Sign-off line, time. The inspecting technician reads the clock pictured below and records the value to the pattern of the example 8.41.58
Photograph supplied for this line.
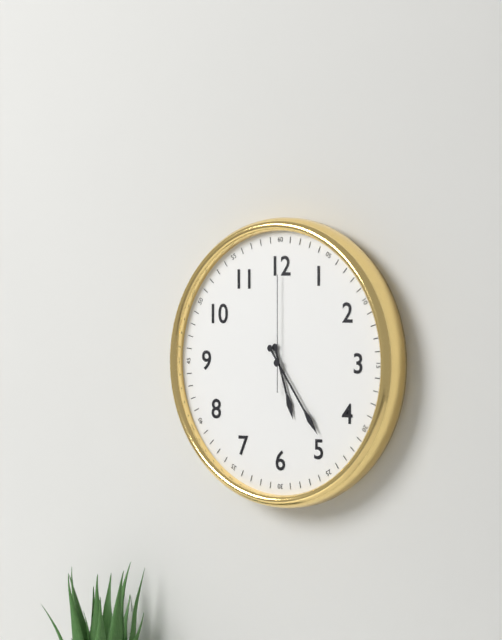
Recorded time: 5.24.00
